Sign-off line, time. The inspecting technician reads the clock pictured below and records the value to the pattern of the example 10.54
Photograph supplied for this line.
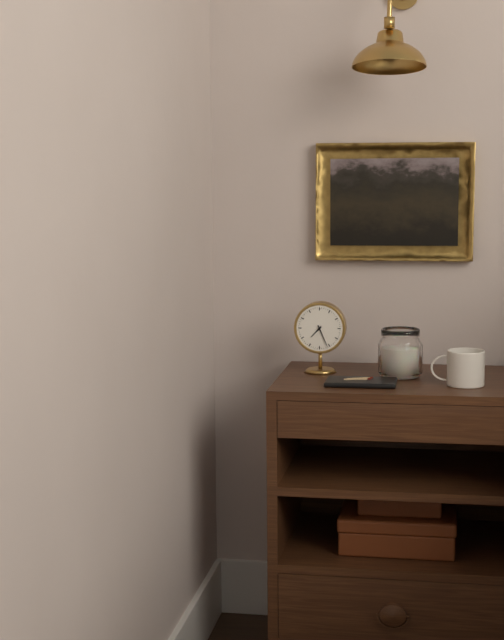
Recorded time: 7.26
